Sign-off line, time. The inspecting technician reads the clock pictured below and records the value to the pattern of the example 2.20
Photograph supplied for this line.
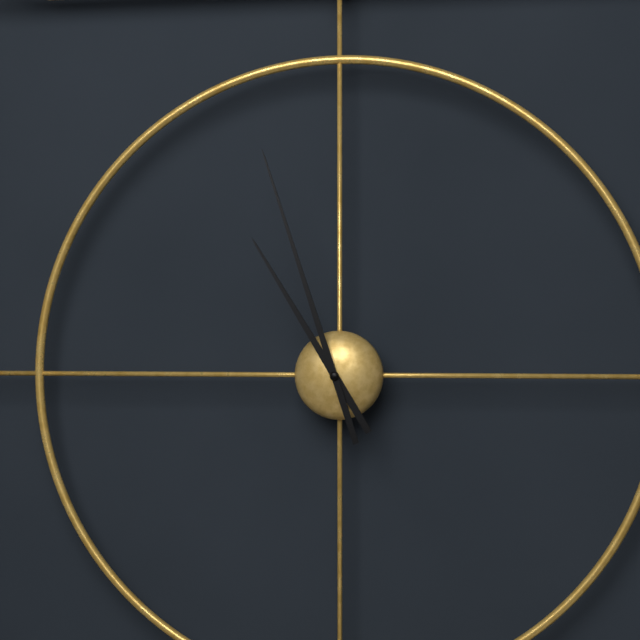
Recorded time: 10.57
